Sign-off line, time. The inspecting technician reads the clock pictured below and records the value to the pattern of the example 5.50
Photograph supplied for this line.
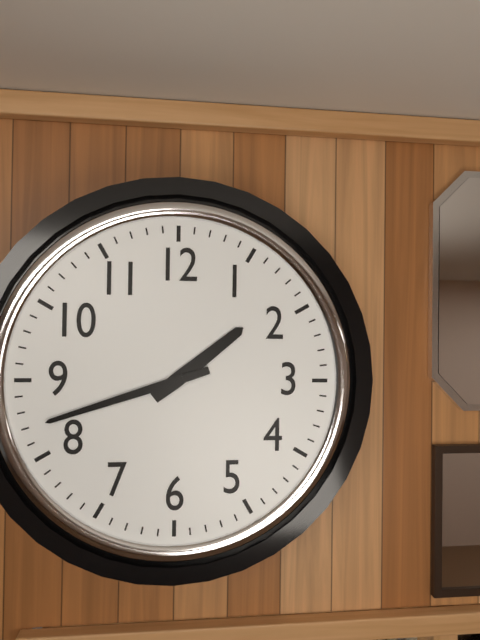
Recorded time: 1.42
